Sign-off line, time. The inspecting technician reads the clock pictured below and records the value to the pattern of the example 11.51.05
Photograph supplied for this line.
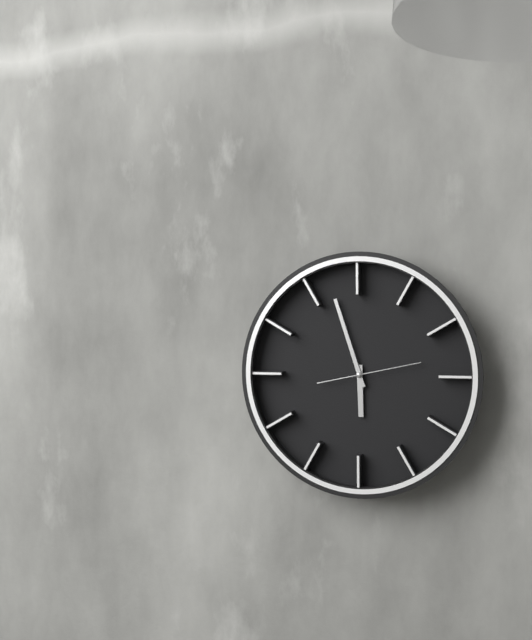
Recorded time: 5.57.13
